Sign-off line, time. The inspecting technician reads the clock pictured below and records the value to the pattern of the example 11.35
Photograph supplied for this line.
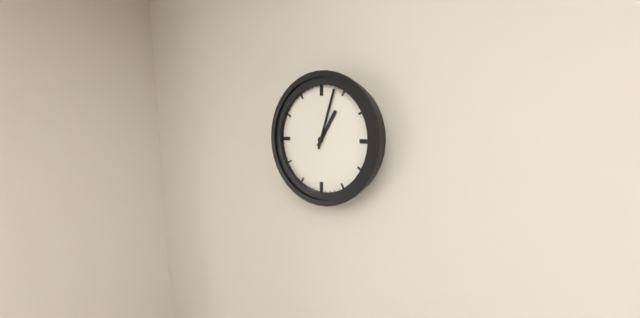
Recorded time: 1.03
